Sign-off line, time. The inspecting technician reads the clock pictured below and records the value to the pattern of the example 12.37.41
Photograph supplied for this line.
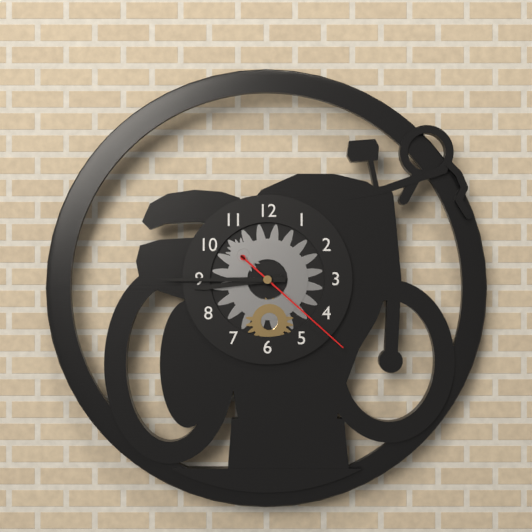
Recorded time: 8.45.22
